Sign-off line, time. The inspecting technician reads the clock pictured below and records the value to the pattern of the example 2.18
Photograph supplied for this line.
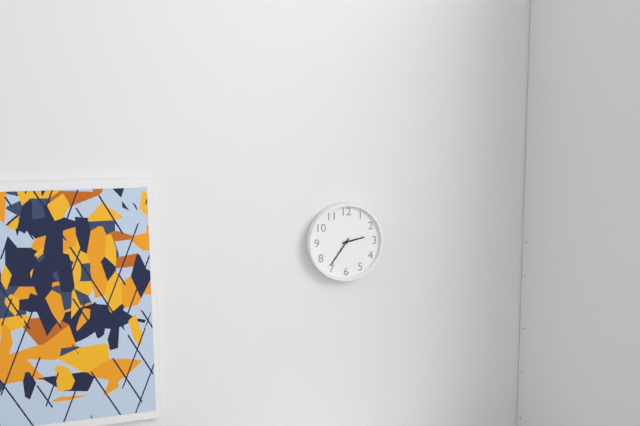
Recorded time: 2.36
